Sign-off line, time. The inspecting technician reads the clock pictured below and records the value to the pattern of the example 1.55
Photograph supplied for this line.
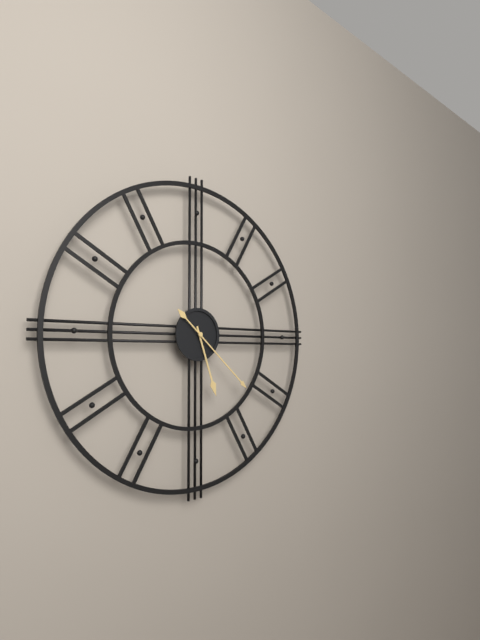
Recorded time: 5.22
